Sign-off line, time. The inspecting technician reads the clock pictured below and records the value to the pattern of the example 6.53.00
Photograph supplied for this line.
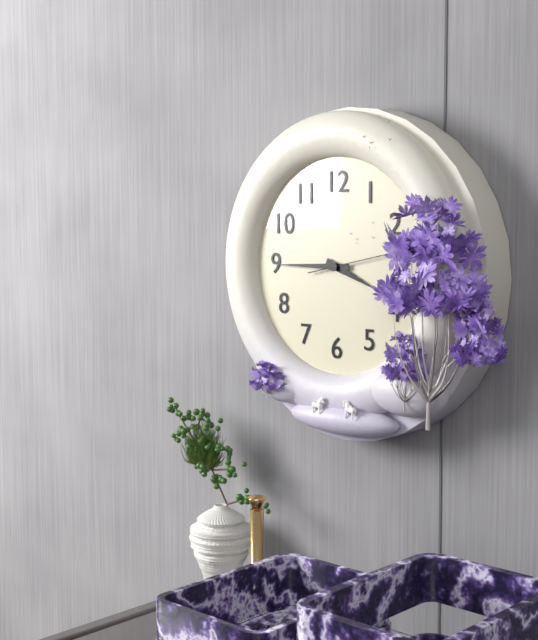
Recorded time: 3.45.13
